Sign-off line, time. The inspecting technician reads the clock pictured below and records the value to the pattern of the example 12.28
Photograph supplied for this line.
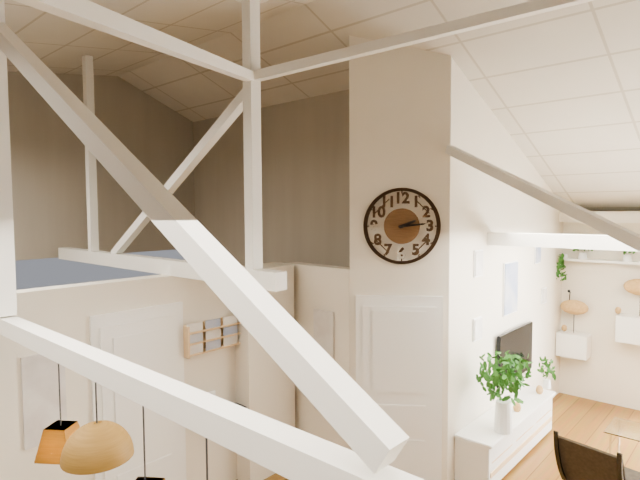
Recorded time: 2.14
